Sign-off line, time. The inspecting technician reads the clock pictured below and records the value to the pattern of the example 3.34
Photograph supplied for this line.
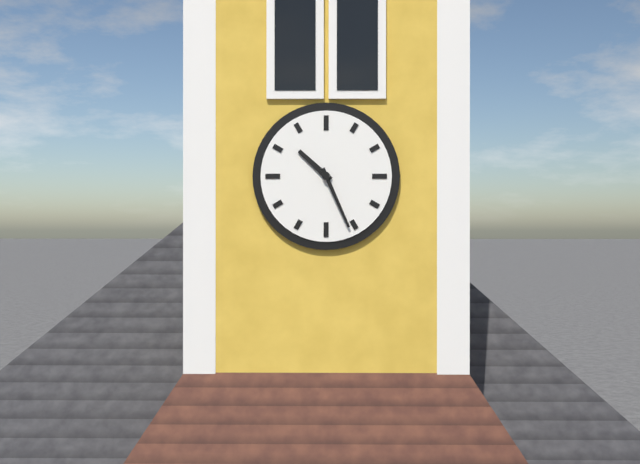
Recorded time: 10.26
